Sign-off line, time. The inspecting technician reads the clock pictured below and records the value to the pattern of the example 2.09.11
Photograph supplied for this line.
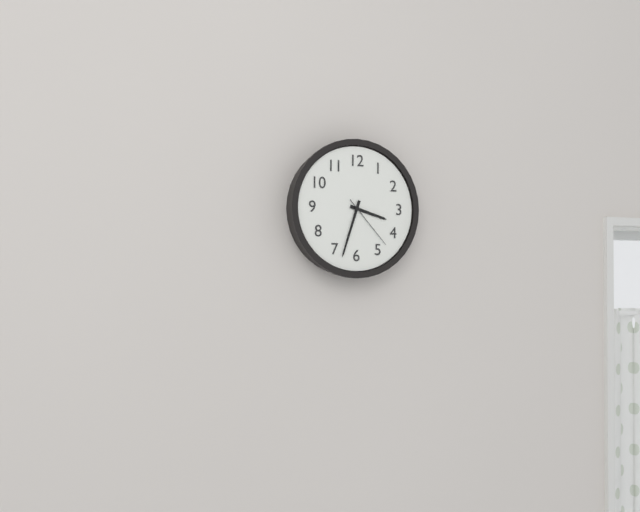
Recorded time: 3.33.23
